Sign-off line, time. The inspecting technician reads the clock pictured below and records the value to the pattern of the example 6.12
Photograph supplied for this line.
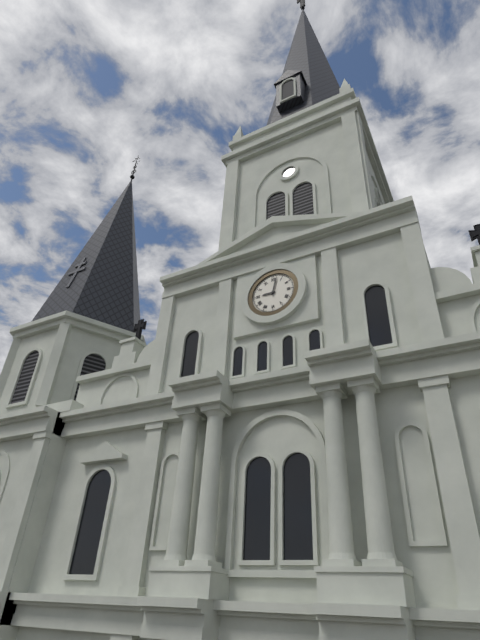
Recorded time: 9.02
